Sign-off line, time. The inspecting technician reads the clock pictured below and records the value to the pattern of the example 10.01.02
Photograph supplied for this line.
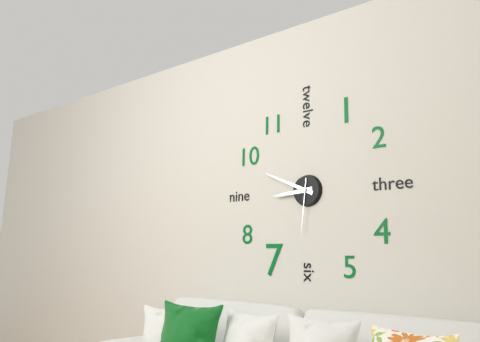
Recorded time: 8.49.31
